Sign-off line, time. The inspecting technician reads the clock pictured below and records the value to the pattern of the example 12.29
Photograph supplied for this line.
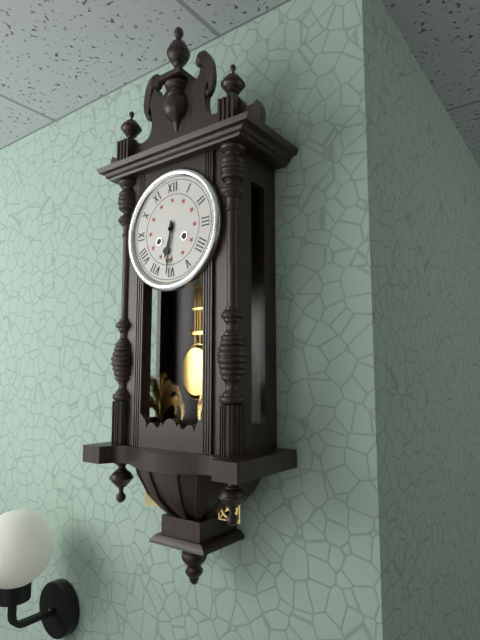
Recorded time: 6.31
